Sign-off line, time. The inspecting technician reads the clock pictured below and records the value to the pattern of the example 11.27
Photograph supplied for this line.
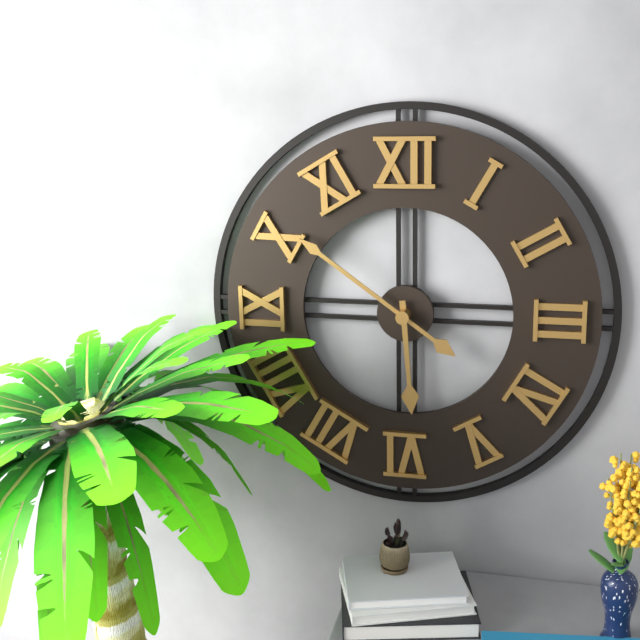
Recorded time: 5.51
